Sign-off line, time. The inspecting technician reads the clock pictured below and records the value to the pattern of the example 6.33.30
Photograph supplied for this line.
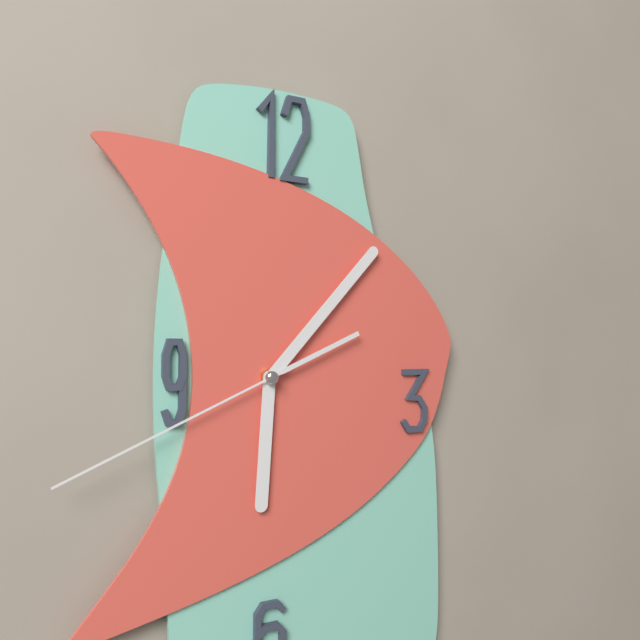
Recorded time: 6.07.41
